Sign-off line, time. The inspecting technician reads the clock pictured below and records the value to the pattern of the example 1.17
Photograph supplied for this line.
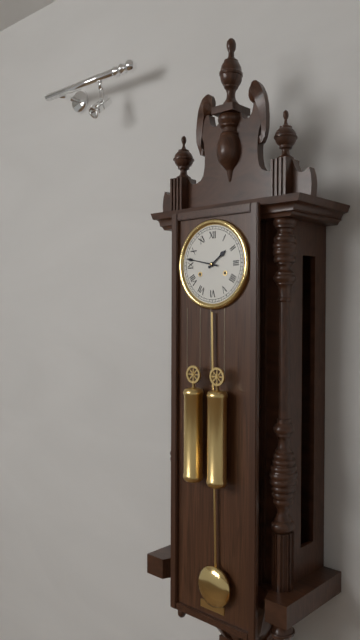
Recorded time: 1.47
